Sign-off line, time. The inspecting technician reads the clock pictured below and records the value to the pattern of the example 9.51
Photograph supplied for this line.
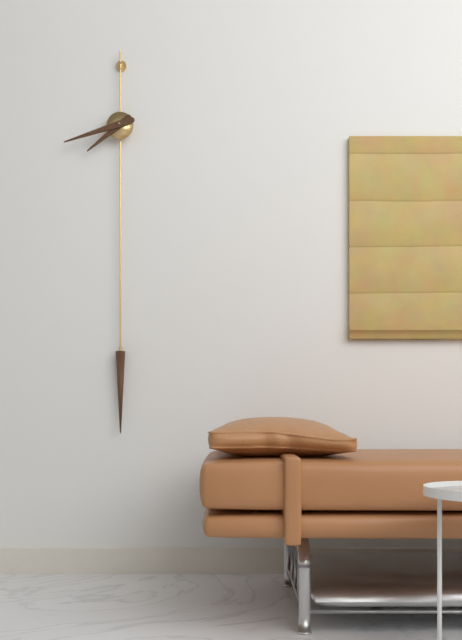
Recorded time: 7.42
